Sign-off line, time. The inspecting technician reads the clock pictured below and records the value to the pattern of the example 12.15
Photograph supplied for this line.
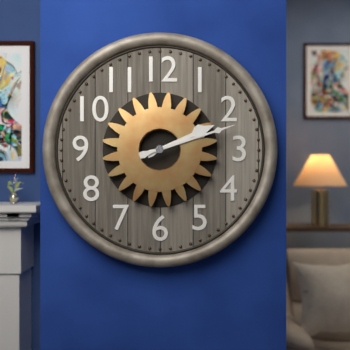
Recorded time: 2.12
